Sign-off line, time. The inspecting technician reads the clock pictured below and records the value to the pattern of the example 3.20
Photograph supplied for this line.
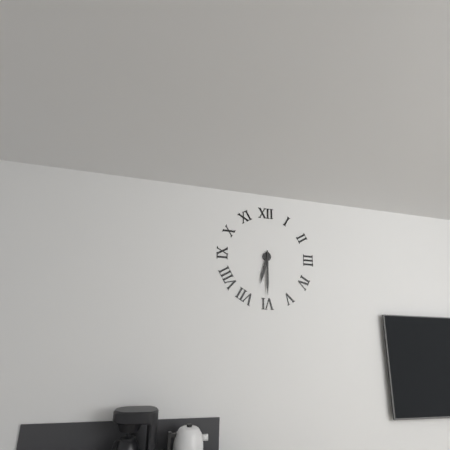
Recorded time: 6.30
